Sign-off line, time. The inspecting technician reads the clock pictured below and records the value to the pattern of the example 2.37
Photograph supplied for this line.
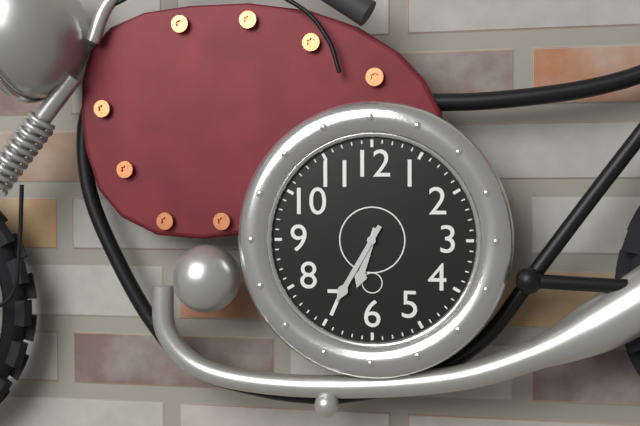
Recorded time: 6.35
